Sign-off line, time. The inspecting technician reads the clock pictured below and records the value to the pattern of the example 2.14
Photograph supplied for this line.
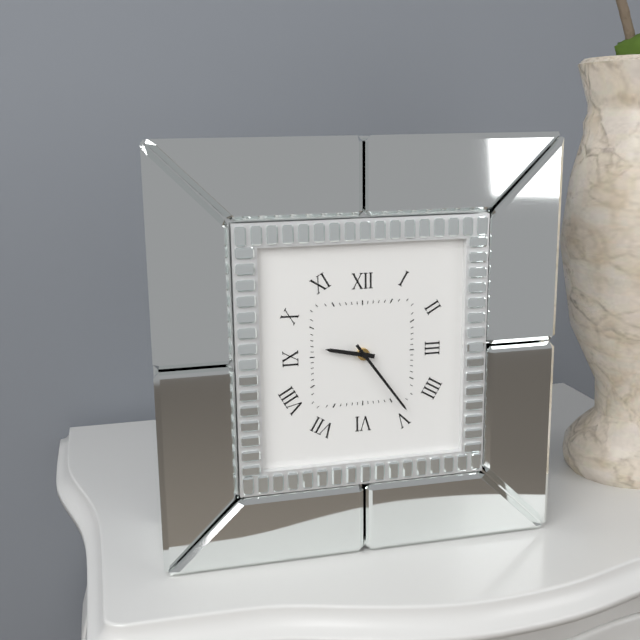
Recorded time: 9.24
